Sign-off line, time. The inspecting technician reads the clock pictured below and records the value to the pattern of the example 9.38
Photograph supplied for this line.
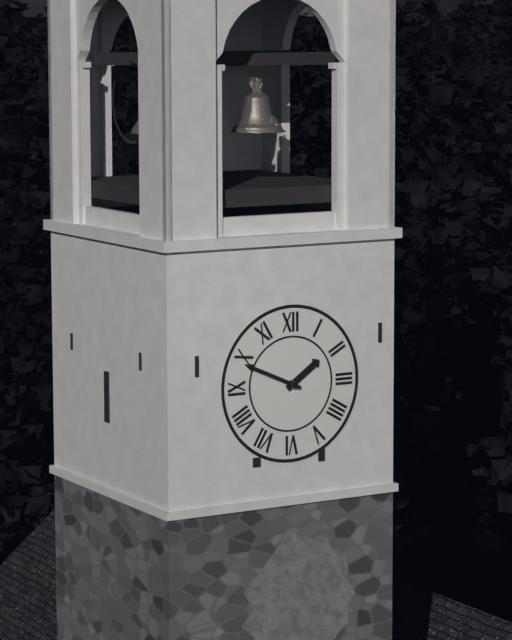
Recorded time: 1.49
